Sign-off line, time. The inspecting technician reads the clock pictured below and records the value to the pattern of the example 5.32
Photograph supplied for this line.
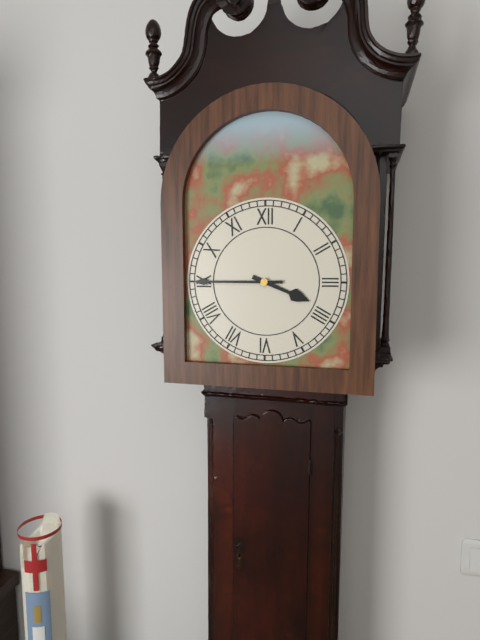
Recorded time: 3.45
